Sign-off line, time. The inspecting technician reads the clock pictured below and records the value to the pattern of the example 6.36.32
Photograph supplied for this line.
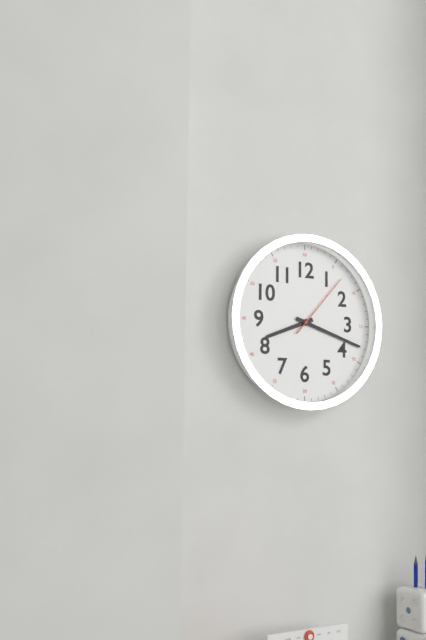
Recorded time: 8.18.07
